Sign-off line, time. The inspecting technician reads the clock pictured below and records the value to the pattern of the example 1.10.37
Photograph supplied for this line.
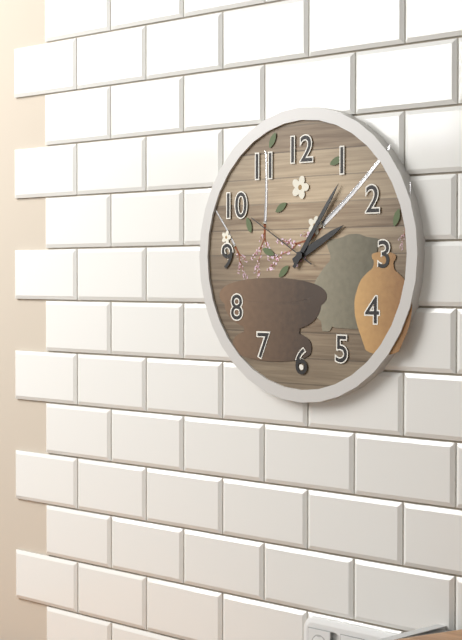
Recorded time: 2.06.50
